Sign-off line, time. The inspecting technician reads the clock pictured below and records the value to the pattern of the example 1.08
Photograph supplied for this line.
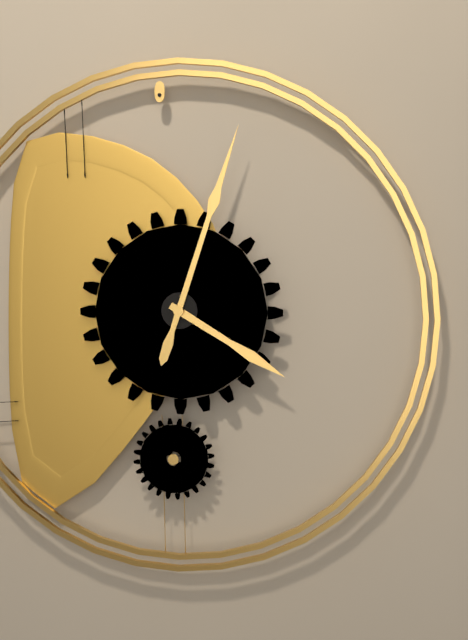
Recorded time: 4.03
